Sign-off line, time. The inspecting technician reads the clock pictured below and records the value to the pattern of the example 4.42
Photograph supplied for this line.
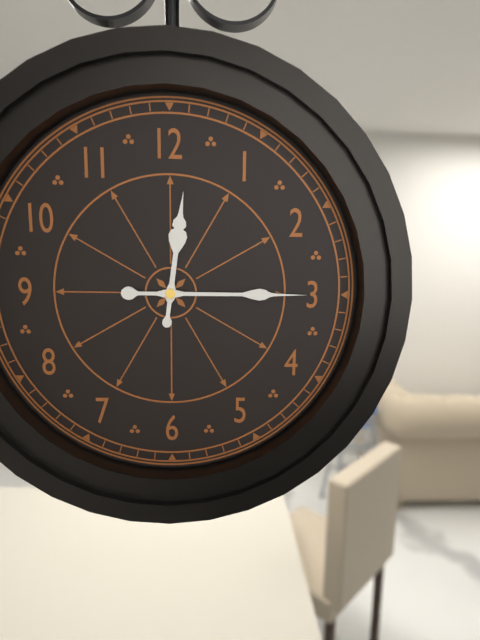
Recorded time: 12.15
